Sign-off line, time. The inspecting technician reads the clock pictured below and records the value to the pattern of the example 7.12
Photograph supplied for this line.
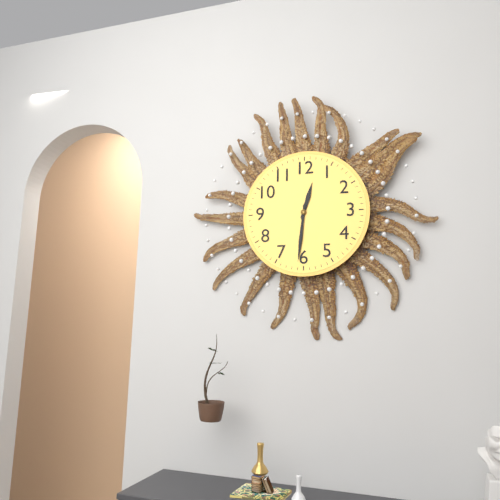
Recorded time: 12.31
